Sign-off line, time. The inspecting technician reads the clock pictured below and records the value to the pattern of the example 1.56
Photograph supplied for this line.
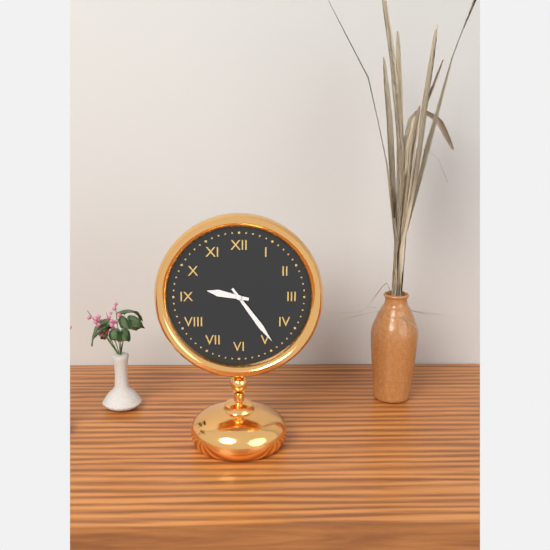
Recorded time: 9.24
